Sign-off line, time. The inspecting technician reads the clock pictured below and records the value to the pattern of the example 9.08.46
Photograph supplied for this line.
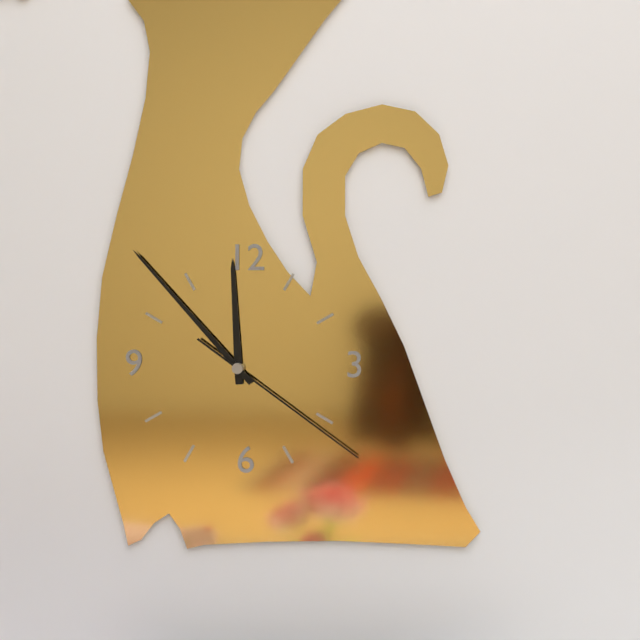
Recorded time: 11.53.21
